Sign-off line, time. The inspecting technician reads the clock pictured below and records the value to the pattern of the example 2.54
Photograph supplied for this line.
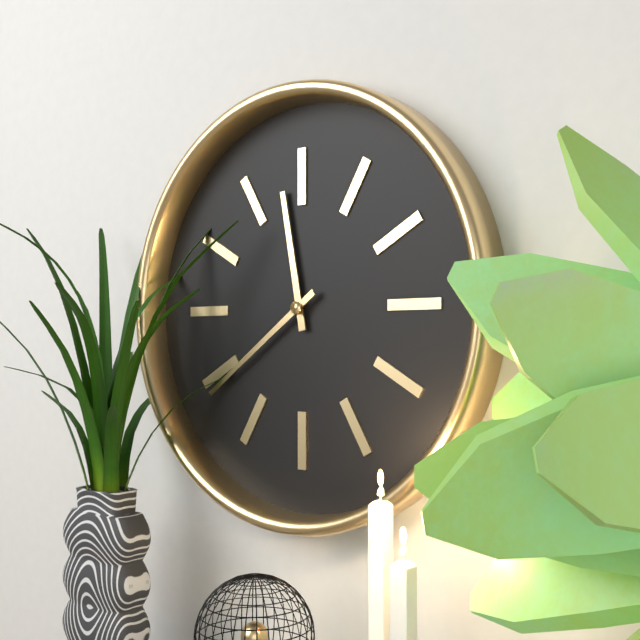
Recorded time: 11.39
